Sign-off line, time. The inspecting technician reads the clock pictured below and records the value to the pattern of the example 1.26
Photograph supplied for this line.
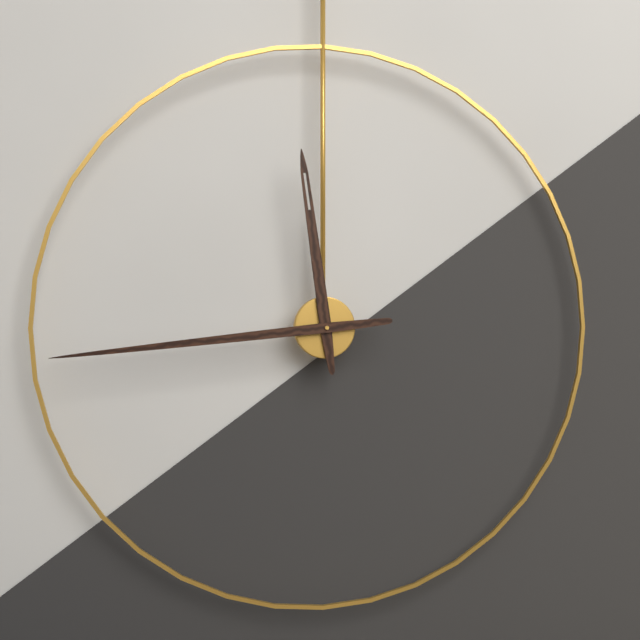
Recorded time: 11.44
